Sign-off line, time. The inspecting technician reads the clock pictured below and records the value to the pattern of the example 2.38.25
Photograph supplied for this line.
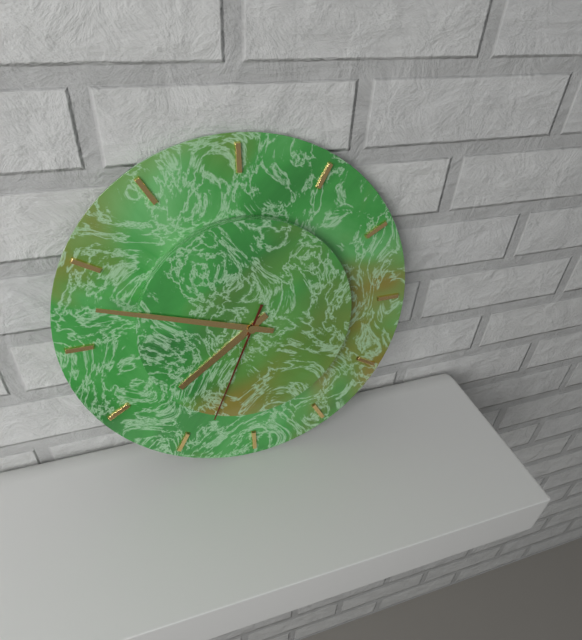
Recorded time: 7.48.34
